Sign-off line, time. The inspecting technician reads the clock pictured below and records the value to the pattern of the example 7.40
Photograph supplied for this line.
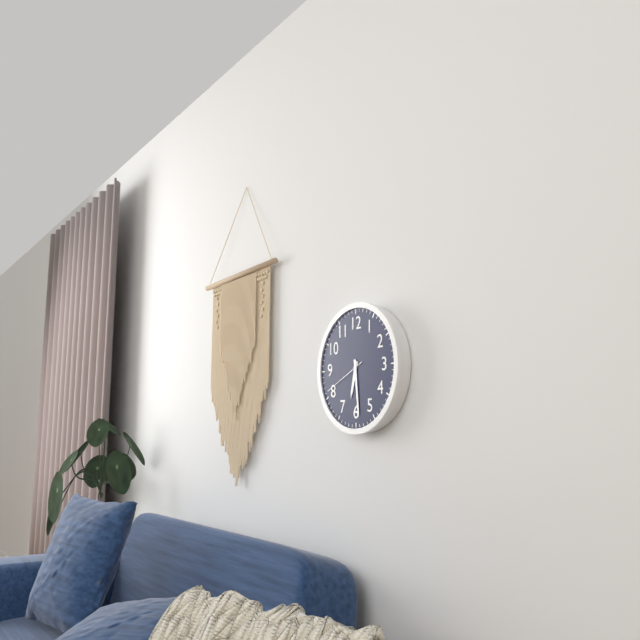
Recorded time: 6.29
